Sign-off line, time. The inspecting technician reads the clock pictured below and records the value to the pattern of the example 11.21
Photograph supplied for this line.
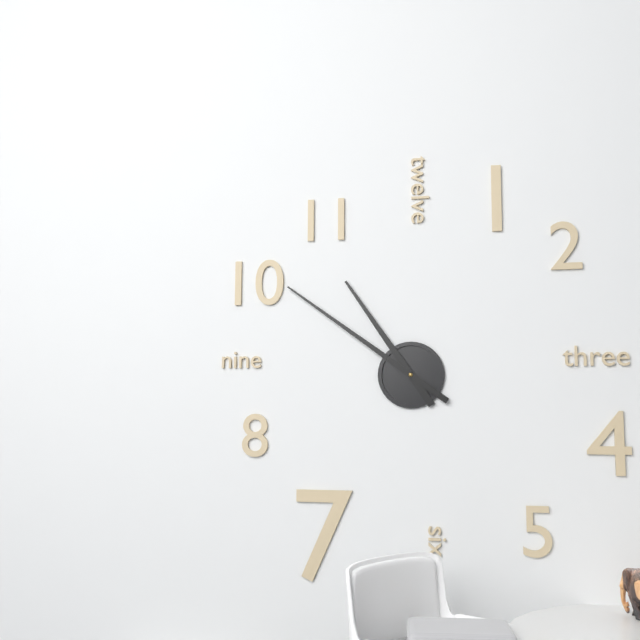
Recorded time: 10.51
